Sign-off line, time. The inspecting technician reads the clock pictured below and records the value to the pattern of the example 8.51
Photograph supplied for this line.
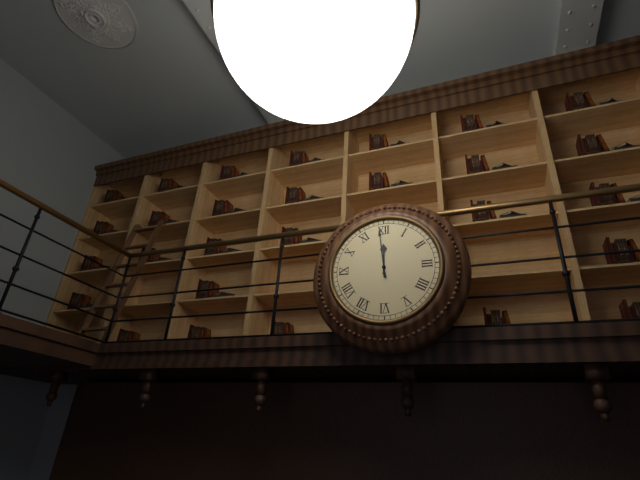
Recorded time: 11.59
